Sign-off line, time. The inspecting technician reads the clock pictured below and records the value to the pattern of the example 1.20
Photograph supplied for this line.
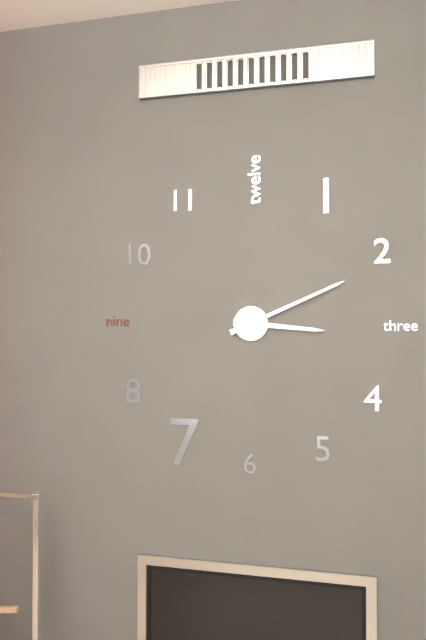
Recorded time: 3.11
